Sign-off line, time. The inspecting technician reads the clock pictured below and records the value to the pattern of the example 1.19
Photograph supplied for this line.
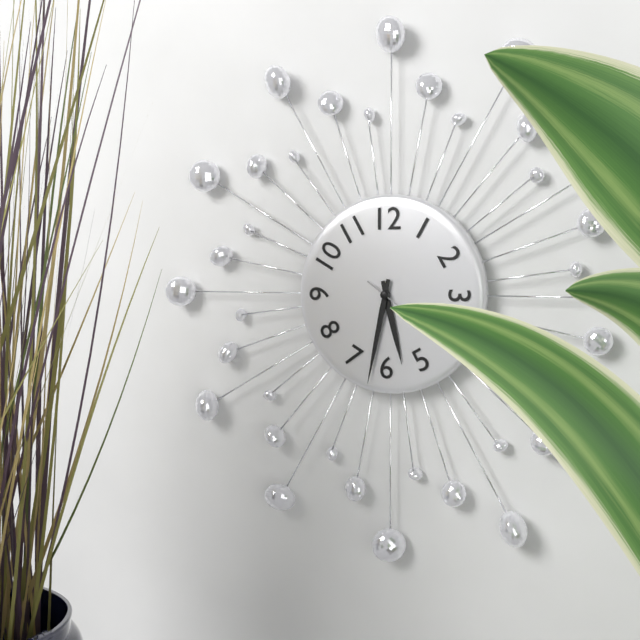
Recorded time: 5.32
